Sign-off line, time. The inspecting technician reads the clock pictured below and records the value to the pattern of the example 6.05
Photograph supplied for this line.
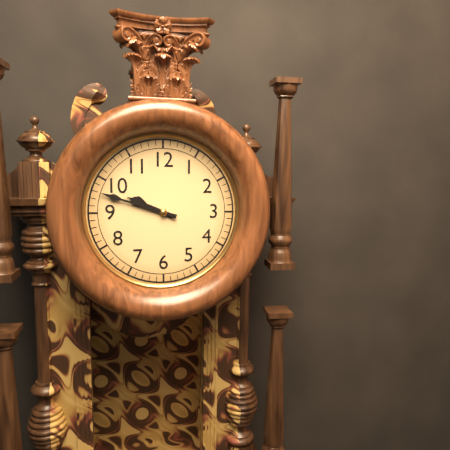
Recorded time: 9.48
